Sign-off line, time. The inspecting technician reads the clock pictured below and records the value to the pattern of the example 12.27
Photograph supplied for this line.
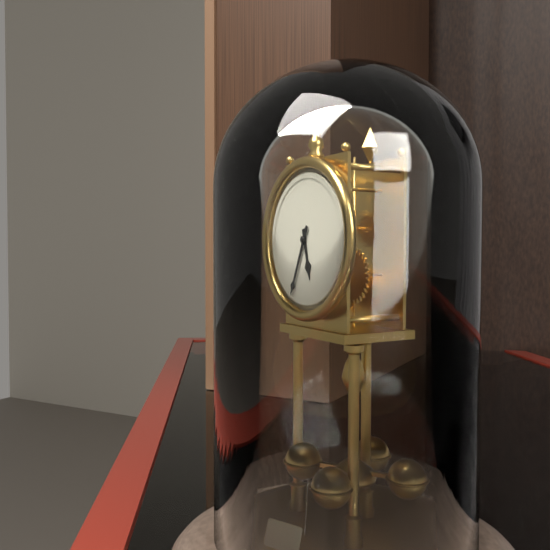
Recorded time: 5.34
